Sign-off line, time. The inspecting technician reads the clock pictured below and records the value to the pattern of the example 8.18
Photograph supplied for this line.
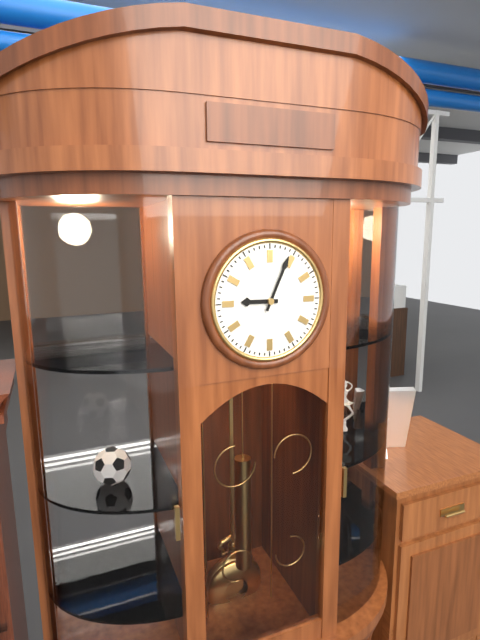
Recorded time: 9.04
